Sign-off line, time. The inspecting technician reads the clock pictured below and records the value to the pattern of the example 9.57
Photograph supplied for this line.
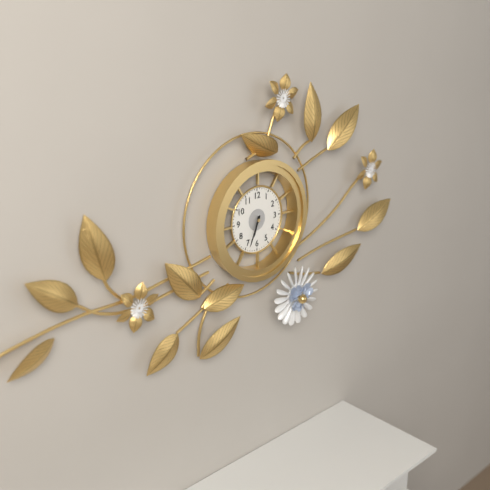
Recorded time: 6.34
